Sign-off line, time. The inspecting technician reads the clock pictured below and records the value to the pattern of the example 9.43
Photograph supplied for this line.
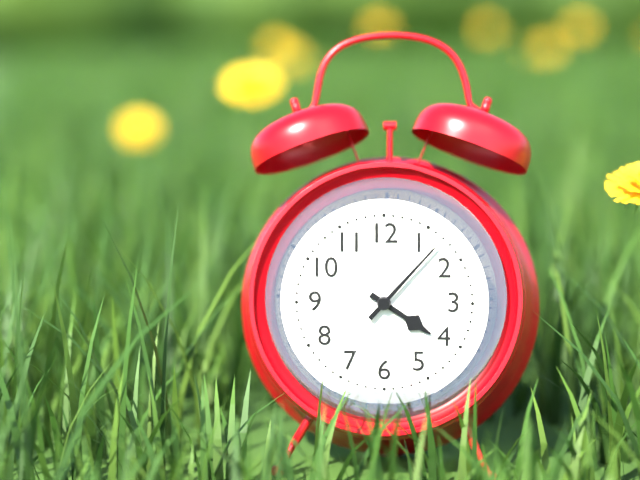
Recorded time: 4.07
